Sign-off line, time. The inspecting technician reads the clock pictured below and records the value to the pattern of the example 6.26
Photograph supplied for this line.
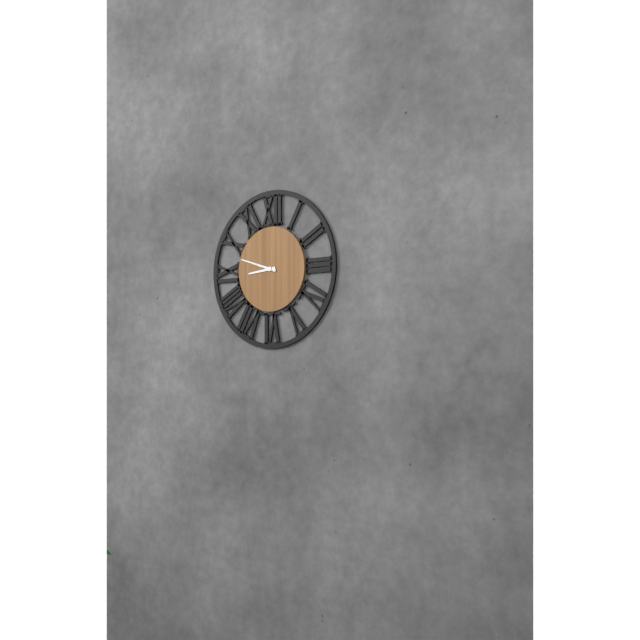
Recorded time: 8.48
